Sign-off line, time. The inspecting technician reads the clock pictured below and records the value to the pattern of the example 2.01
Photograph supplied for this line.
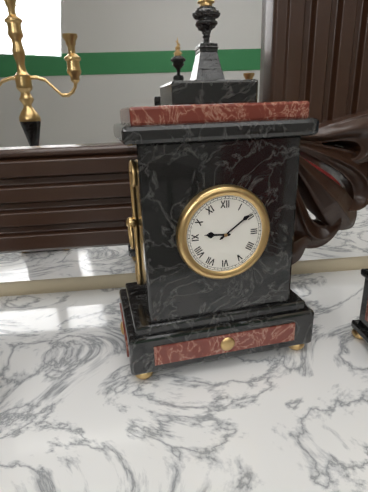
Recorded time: 9.09
